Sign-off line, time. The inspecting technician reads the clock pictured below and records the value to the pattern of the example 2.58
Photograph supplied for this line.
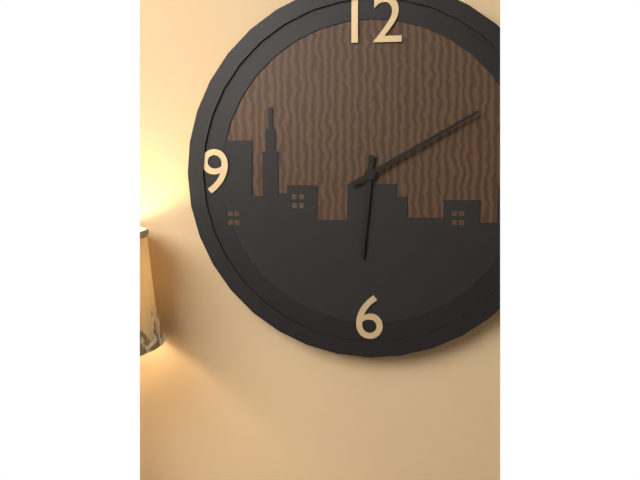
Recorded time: 6.10
